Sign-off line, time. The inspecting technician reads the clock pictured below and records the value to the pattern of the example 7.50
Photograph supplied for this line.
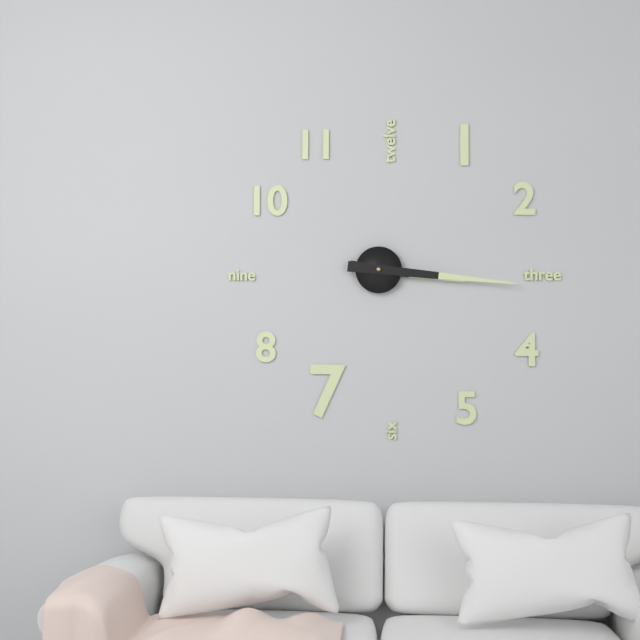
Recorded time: 3.16
